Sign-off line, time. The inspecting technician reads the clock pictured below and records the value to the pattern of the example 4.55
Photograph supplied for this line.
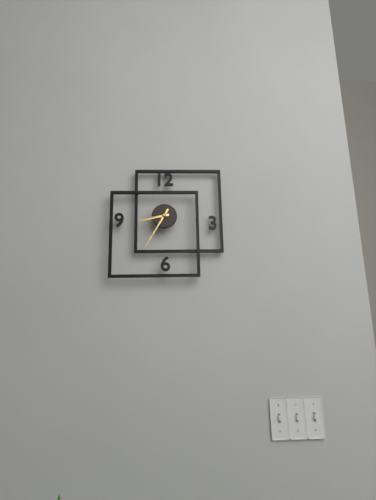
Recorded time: 8.35
